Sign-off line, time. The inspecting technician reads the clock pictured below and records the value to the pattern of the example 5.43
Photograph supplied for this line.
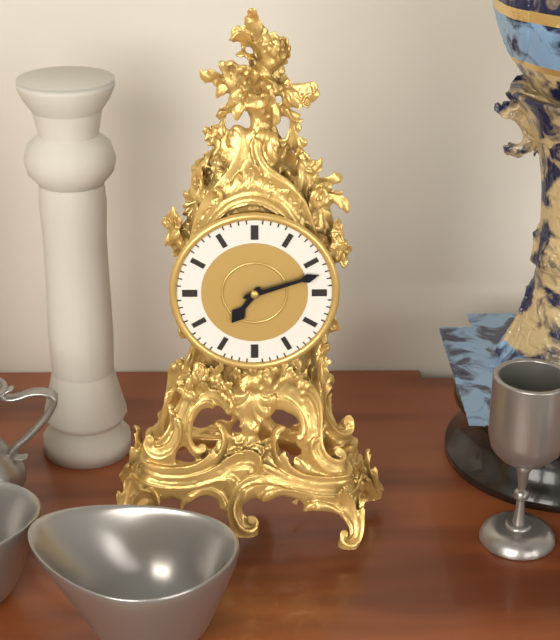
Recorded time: 7.12
